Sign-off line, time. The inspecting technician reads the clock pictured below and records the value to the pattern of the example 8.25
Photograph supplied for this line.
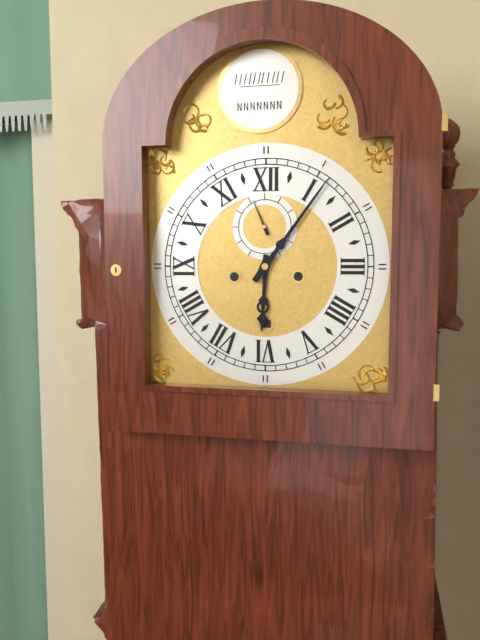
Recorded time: 6.06
